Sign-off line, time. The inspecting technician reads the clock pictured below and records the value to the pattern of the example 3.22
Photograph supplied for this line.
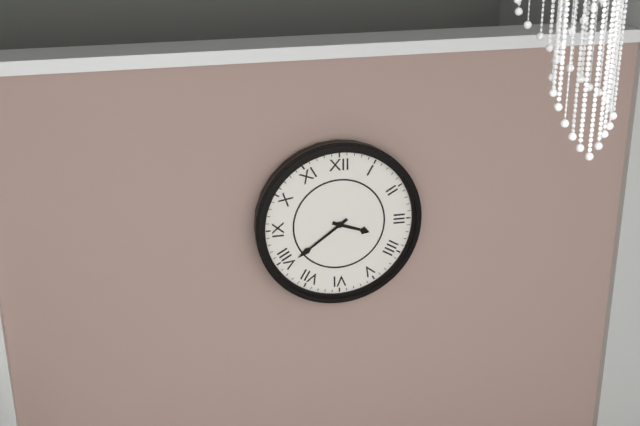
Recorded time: 3.39
